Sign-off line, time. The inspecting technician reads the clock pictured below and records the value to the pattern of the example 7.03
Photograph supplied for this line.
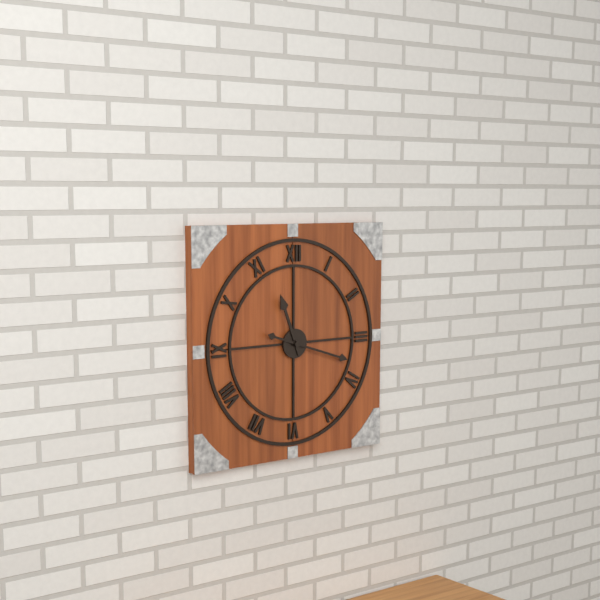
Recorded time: 11.18
